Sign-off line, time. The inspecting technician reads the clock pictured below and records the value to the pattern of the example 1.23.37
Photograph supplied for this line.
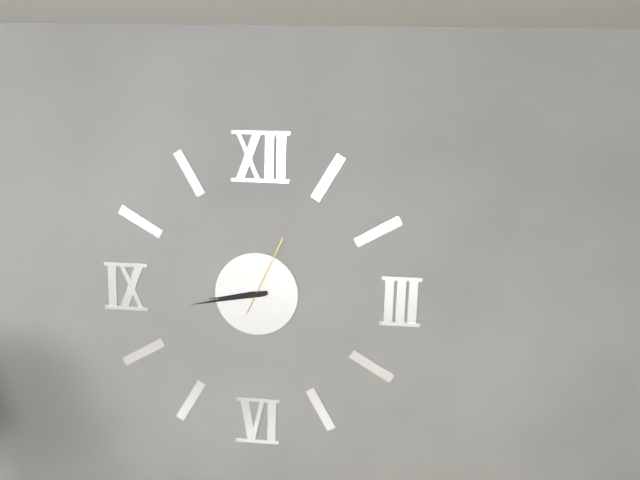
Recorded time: 8.43.04
